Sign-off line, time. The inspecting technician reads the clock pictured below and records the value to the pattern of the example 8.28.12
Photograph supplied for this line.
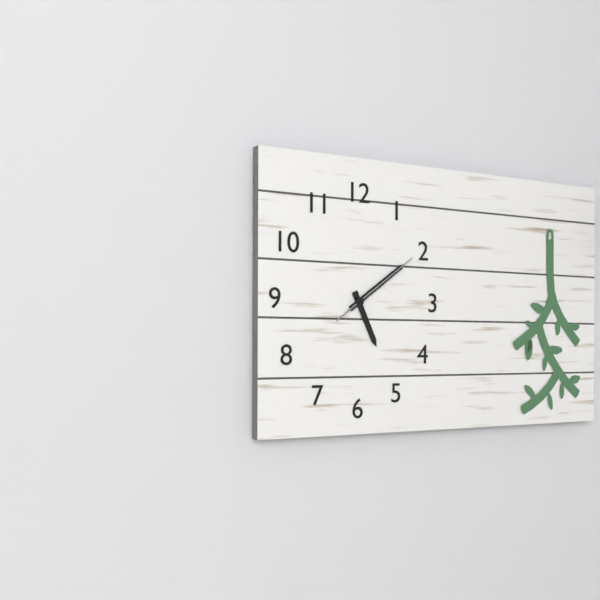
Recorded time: 5.09.09
